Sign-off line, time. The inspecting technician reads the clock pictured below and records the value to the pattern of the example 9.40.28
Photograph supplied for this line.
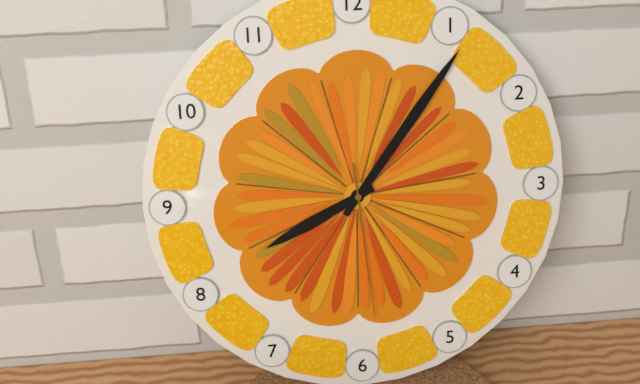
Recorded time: 8.06.29
